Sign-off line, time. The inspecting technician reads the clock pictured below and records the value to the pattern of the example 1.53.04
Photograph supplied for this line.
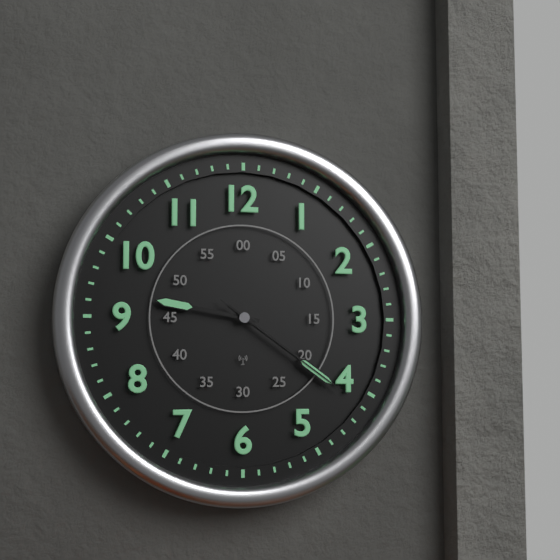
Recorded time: 9.21.21
